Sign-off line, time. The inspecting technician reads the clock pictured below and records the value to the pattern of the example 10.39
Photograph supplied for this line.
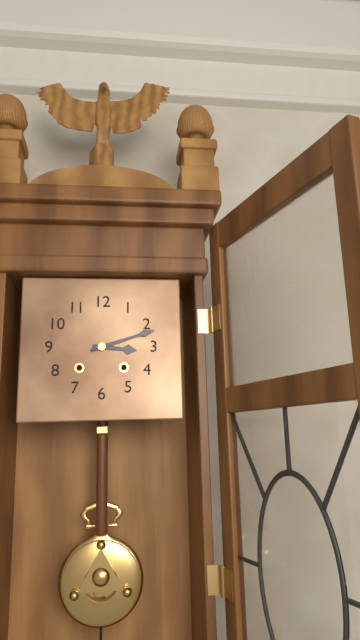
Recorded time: 3.12
